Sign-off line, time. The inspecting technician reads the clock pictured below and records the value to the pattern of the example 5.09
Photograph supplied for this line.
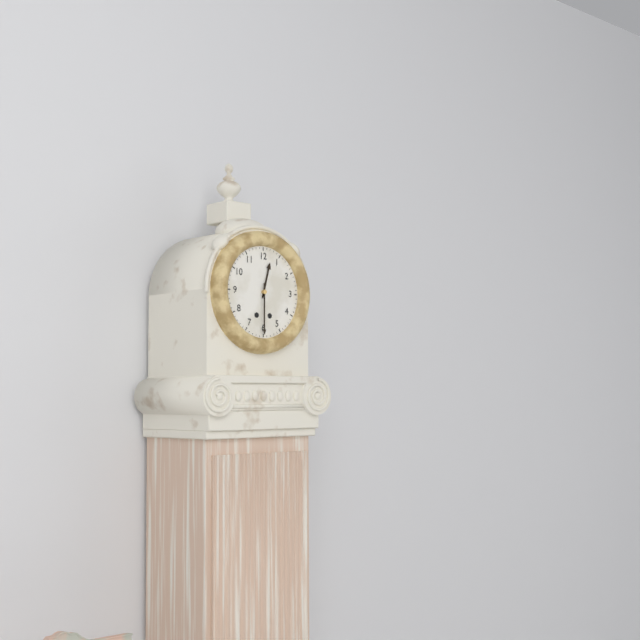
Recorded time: 12.30
